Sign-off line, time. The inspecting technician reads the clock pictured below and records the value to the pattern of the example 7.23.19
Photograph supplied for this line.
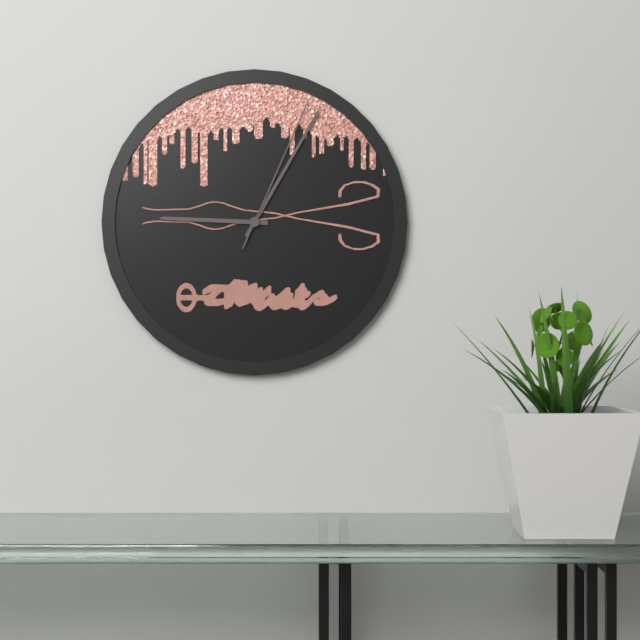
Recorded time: 9.05.04
